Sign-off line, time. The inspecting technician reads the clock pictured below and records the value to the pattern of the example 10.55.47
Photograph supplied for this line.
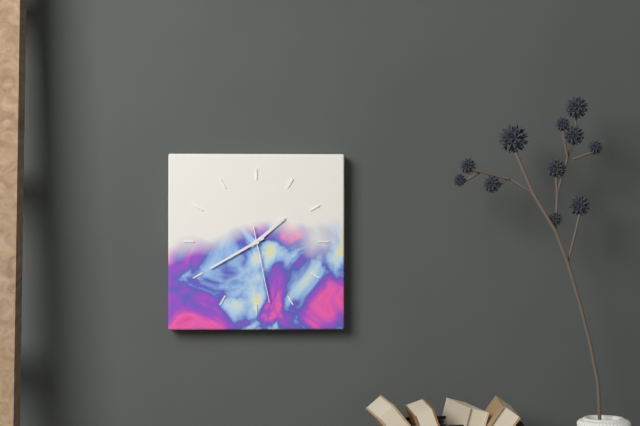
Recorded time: 1.40.28
